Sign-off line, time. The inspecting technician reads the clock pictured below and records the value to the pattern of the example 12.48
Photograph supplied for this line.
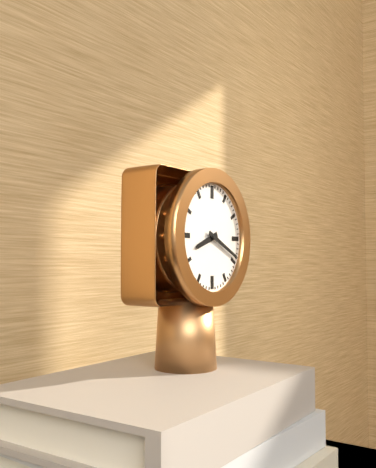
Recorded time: 8.19
